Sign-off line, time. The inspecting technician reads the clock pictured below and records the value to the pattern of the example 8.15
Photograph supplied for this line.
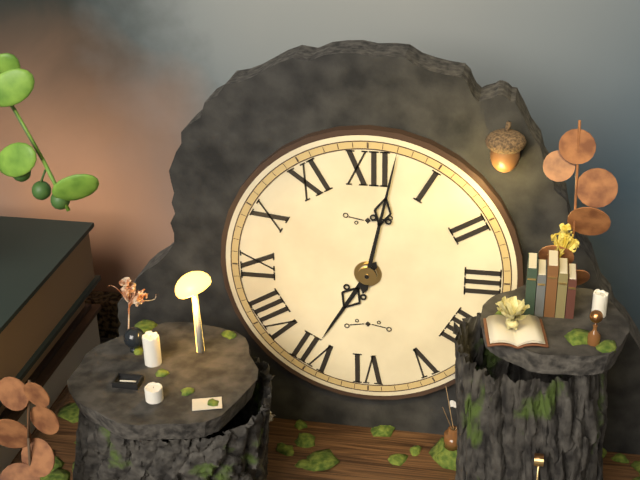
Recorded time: 7.02
